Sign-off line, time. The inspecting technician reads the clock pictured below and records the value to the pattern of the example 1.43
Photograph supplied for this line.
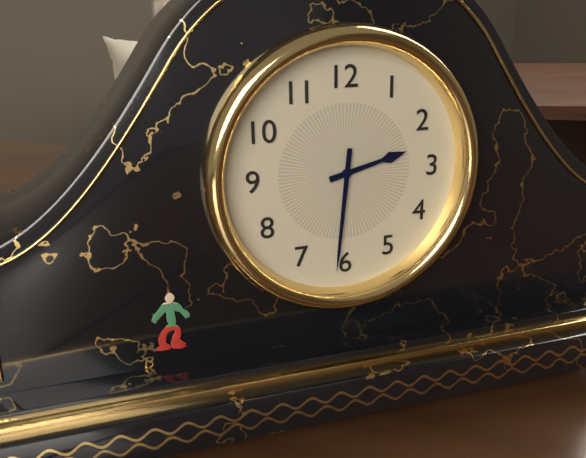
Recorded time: 2.31
